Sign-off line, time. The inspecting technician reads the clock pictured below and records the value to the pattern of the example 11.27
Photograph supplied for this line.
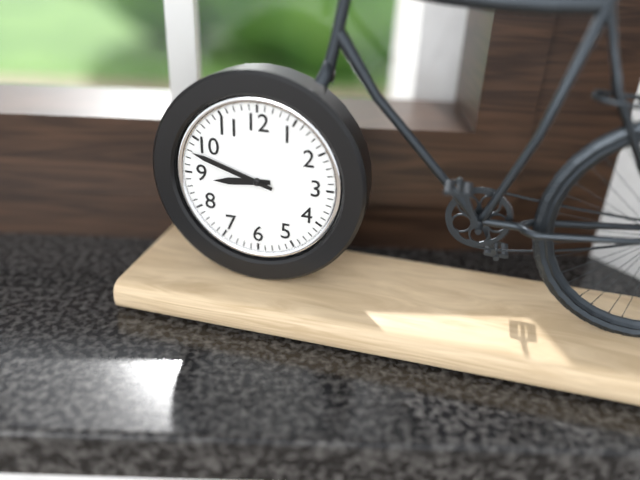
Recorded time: 8.48
